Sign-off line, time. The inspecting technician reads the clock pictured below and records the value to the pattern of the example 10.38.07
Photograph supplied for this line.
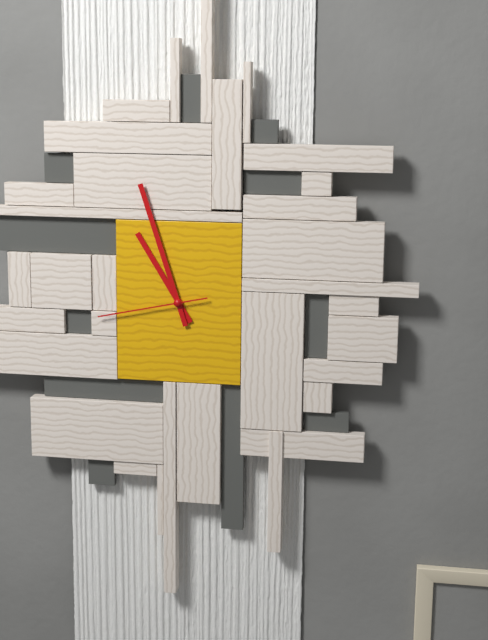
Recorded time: 10.57.43
